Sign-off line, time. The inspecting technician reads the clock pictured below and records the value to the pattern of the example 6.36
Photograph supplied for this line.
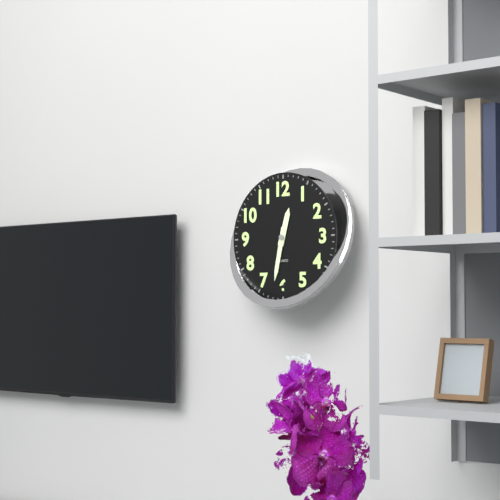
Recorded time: 12.32
